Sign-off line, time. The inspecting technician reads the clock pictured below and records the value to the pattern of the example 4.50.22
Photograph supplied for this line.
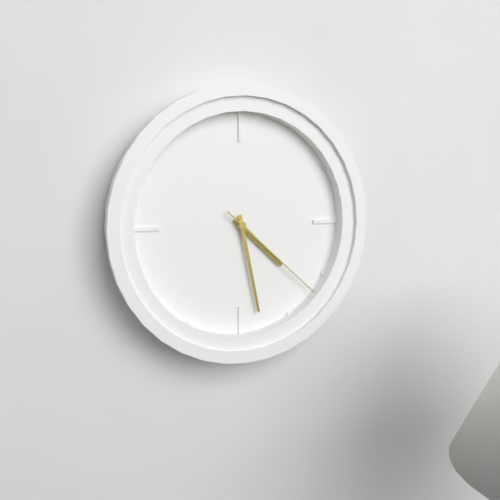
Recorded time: 4.28.22
